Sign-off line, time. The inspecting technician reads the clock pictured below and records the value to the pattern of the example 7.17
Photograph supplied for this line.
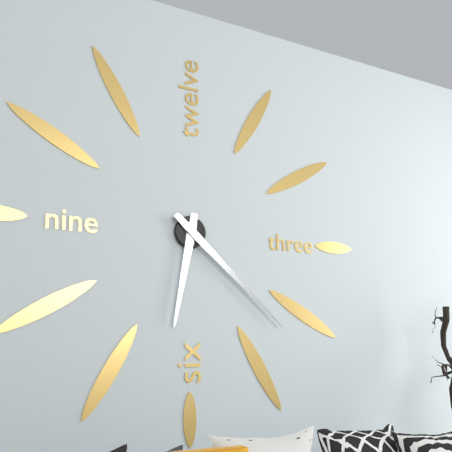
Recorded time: 6.22
